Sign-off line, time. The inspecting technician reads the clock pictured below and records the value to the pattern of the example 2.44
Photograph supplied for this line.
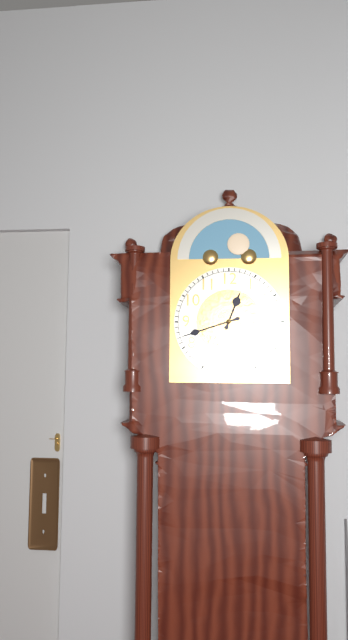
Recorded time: 12.42
